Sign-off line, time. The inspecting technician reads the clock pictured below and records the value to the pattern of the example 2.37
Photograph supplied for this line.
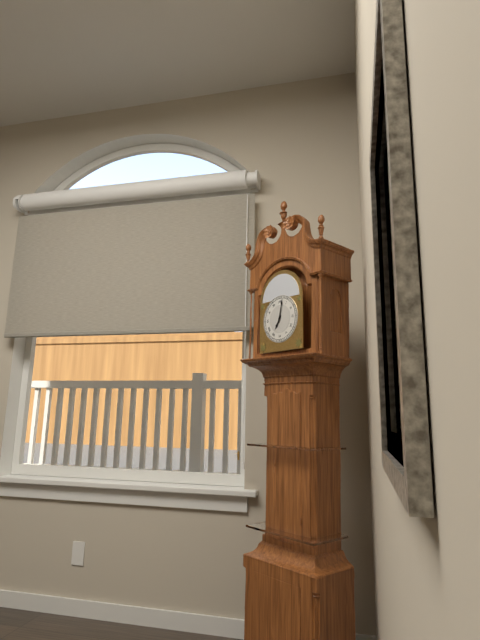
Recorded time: 7.02
